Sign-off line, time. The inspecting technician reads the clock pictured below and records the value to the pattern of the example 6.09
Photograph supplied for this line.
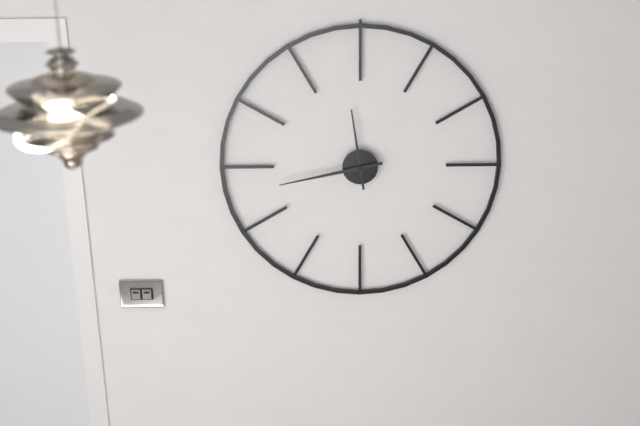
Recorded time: 11.43
